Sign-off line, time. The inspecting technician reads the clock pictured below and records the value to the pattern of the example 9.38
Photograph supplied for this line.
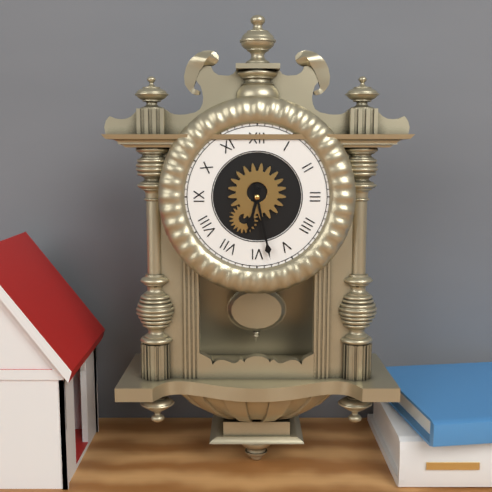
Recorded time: 6.28
